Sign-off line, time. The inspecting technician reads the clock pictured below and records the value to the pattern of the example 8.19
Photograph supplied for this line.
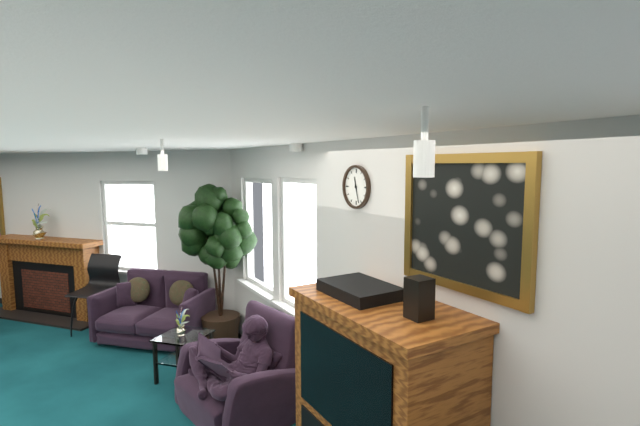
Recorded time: 11.27
